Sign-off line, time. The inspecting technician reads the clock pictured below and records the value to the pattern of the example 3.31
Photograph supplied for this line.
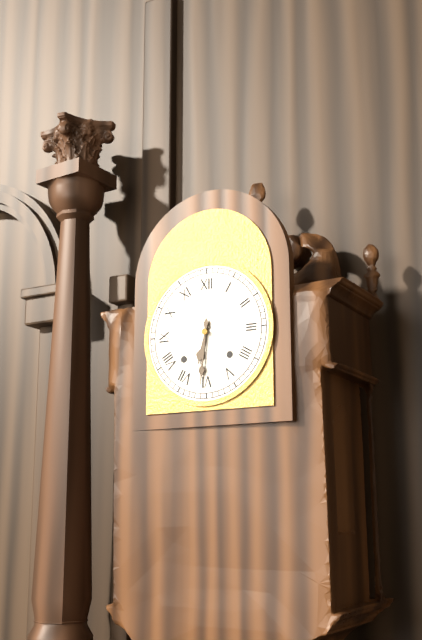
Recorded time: 6.31
